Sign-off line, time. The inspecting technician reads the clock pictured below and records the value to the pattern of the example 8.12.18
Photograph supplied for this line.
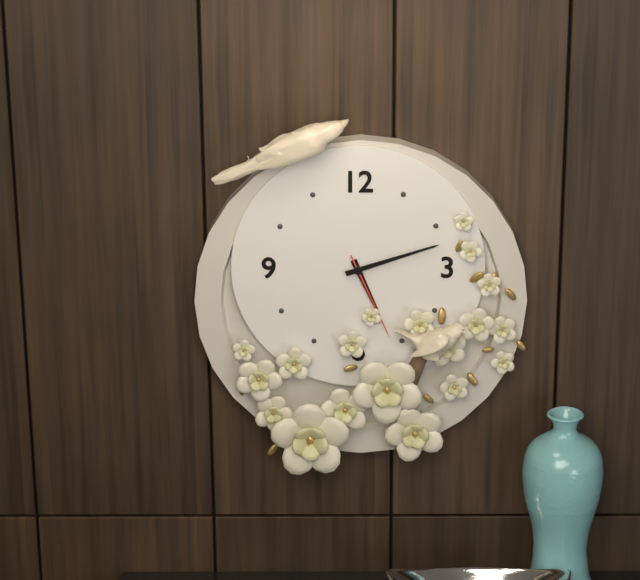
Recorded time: 5.12.26
